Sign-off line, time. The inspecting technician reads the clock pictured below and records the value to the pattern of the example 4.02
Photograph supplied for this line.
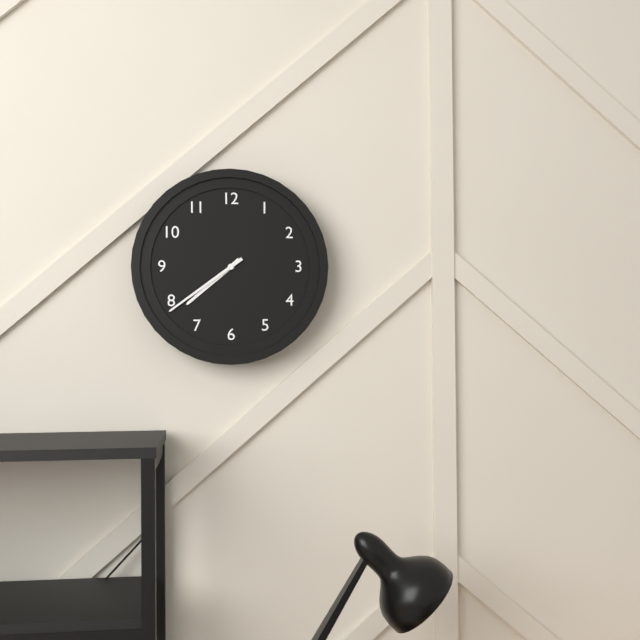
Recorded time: 7.39
